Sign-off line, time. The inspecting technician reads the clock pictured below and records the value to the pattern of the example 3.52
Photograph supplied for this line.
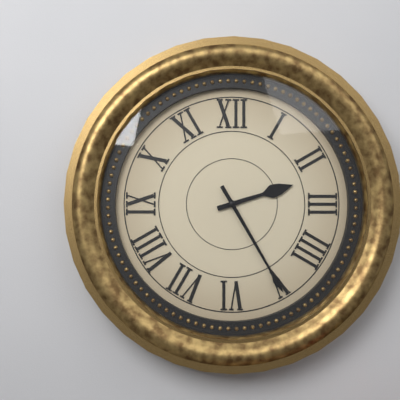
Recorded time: 2.25
